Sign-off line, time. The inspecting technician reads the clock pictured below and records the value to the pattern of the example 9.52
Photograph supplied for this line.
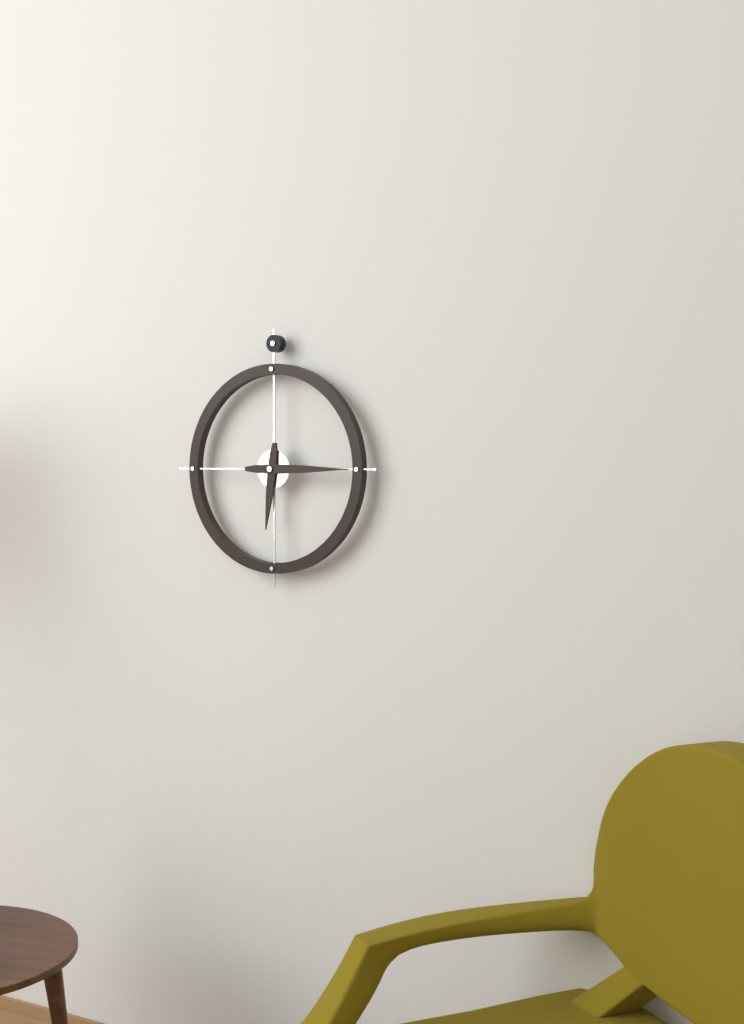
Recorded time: 6.15
